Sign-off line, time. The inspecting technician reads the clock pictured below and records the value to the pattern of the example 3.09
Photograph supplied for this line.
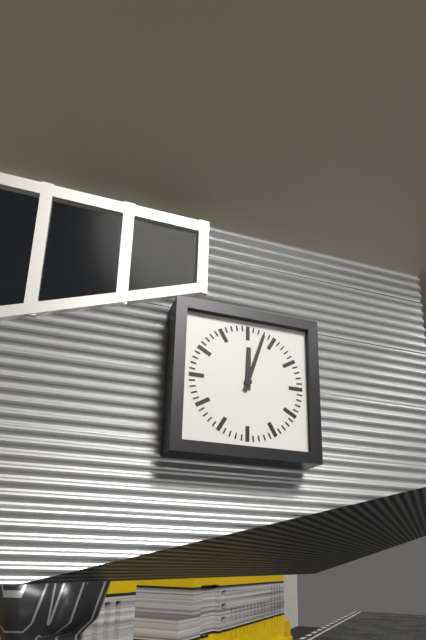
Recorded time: 12.03
